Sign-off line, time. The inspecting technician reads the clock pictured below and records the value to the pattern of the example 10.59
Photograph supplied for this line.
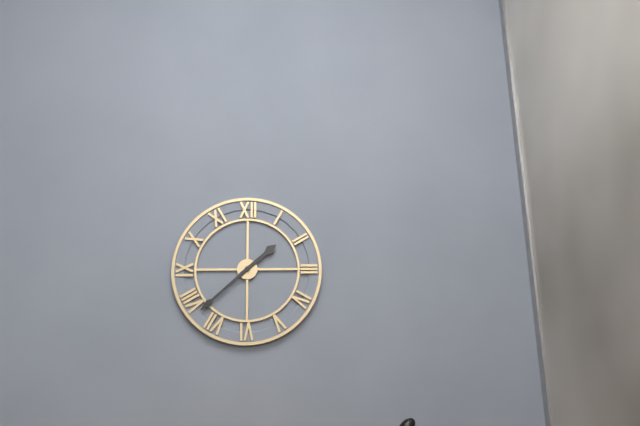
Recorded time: 1.38
